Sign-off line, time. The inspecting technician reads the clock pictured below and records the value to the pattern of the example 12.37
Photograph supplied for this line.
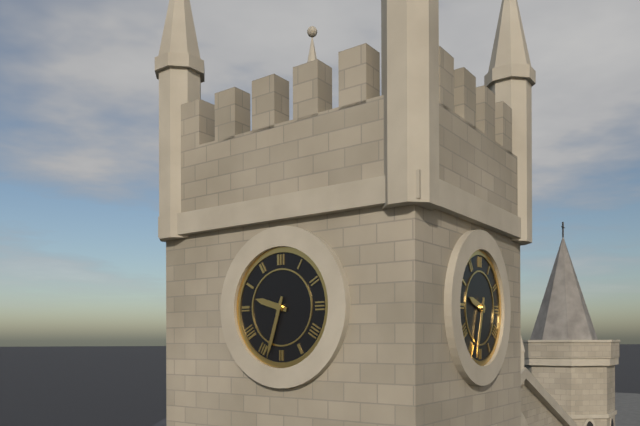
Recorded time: 9.33
